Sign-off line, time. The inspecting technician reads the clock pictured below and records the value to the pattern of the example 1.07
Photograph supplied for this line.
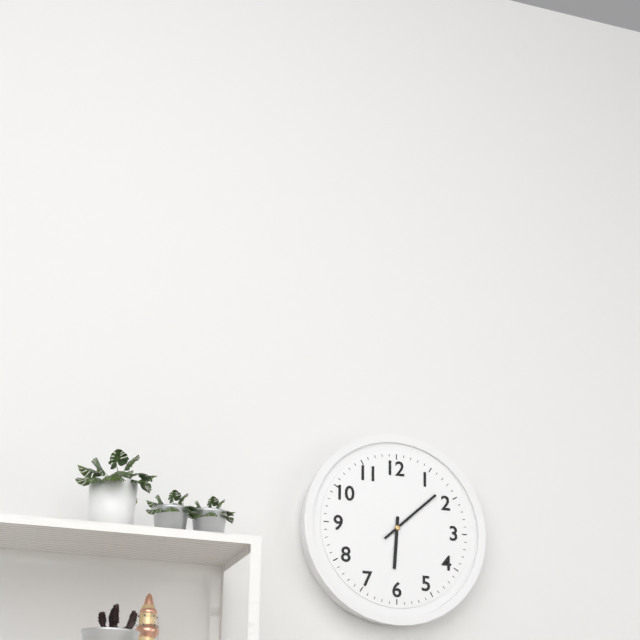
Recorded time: 6.08
